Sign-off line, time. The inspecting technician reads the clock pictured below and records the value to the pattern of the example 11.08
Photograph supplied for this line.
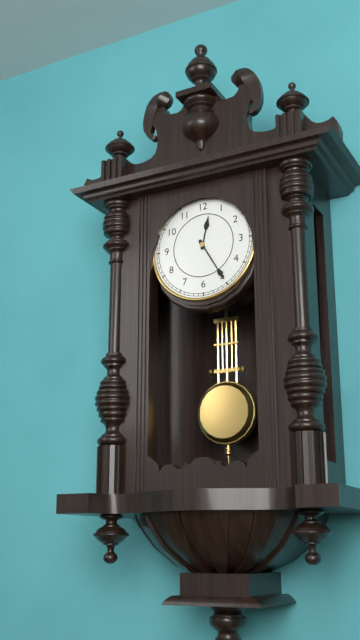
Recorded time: 12.25
